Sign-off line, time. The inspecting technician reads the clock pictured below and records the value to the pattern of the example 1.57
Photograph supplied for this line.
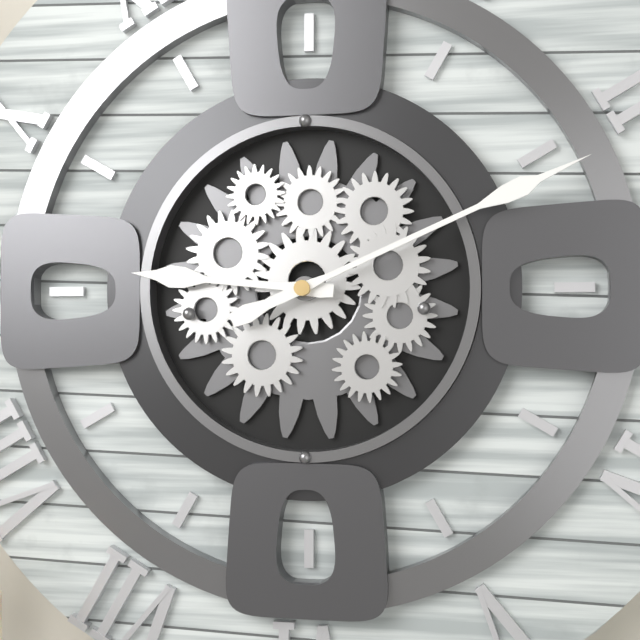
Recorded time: 9.11
